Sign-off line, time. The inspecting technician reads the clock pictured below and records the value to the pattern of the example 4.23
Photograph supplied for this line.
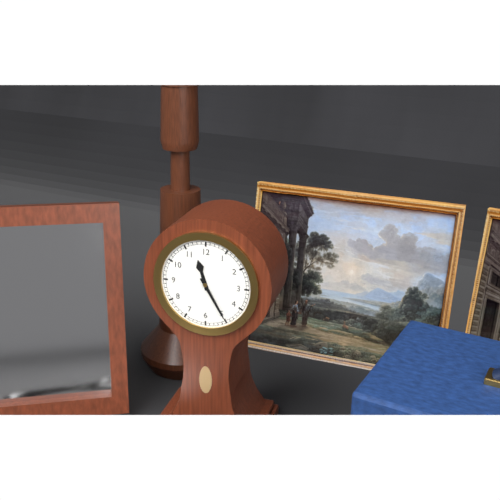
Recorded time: 11.25
